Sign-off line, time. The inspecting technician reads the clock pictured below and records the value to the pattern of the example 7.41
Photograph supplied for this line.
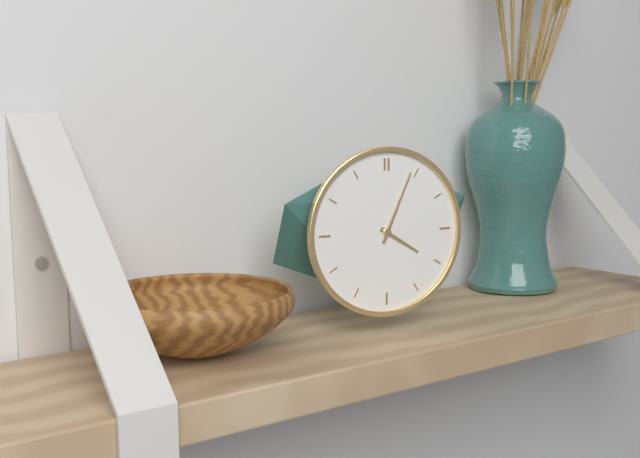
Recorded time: 4.04
